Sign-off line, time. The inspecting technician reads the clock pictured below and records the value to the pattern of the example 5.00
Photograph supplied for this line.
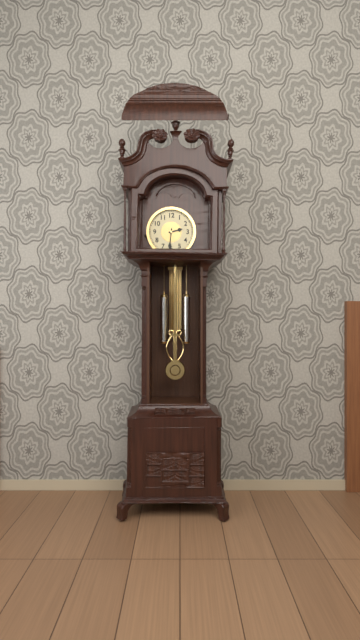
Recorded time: 2.31
